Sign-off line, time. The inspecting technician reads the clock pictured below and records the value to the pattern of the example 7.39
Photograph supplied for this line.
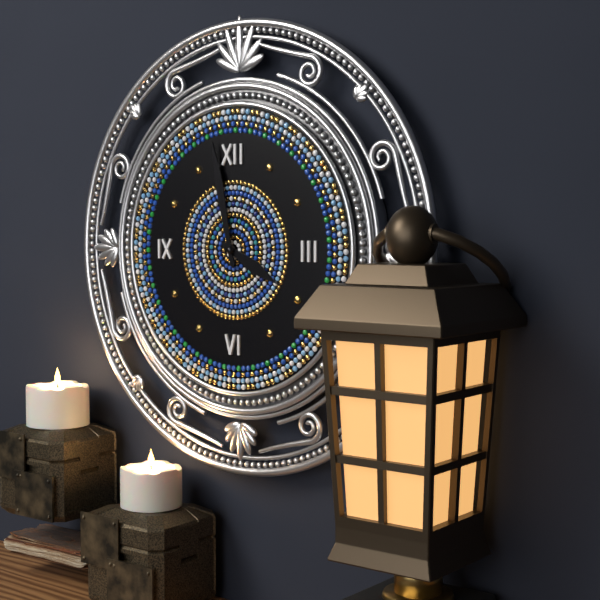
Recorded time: 3.58
